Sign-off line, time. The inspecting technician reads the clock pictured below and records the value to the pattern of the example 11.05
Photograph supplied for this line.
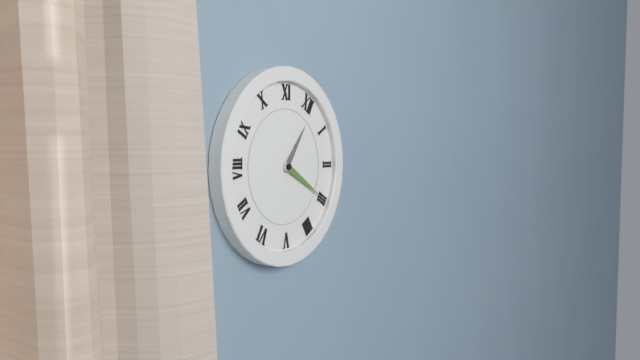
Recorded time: 12.15
